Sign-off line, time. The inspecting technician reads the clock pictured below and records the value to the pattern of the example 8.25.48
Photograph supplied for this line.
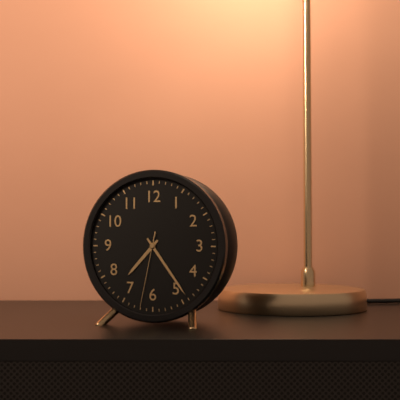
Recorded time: 7.24.32
